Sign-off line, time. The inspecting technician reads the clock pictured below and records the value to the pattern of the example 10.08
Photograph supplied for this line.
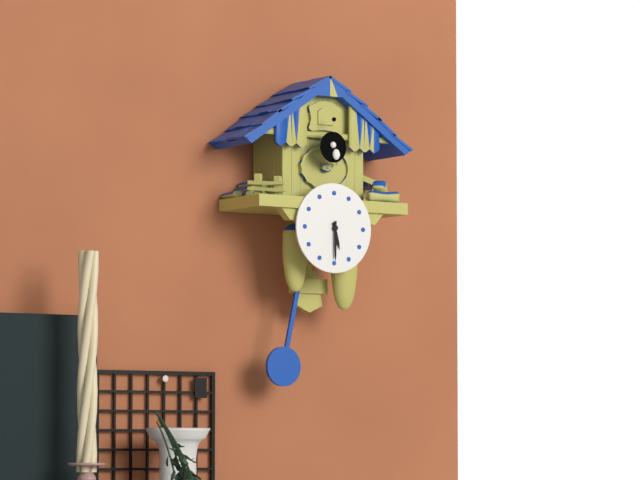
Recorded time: 5.30
